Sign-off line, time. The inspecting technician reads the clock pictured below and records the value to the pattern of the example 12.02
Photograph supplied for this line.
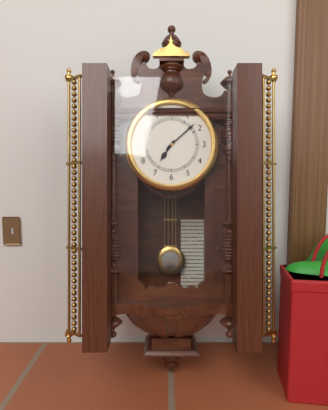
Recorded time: 7.08
